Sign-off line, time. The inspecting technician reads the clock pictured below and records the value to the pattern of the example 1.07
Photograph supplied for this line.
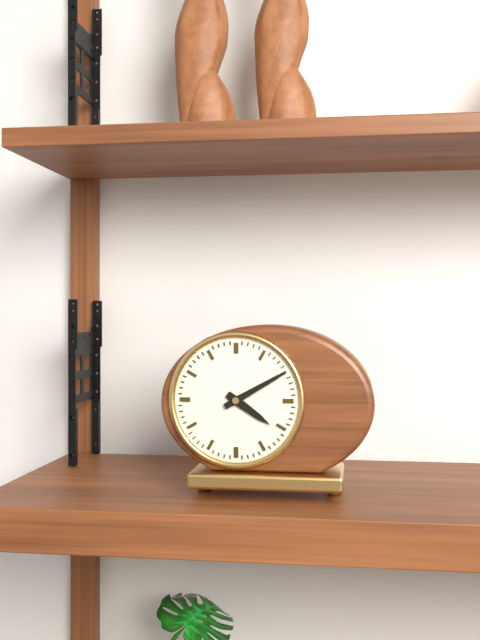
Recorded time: 4.10
